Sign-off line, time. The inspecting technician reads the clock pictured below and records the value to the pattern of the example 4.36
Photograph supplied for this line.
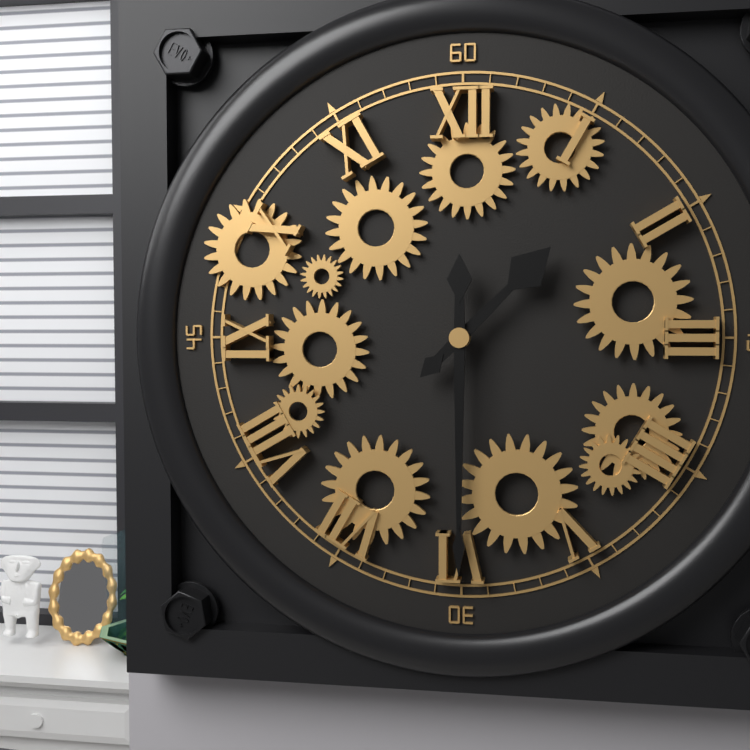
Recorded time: 1.30
